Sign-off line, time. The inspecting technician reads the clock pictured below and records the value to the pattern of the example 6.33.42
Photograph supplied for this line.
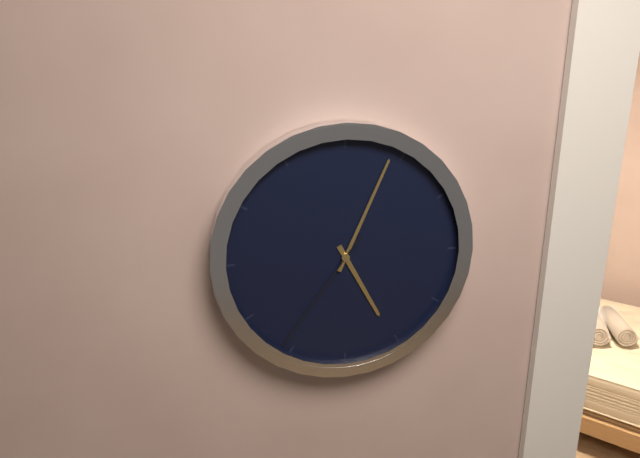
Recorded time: 5.04.36
